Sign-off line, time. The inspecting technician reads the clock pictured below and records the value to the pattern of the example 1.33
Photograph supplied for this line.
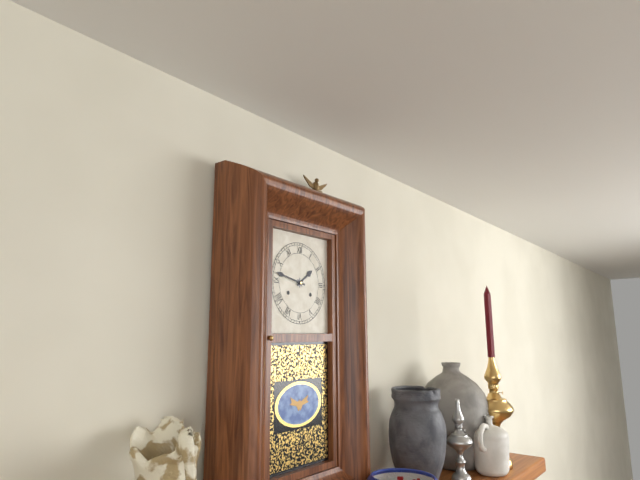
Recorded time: 1.47
